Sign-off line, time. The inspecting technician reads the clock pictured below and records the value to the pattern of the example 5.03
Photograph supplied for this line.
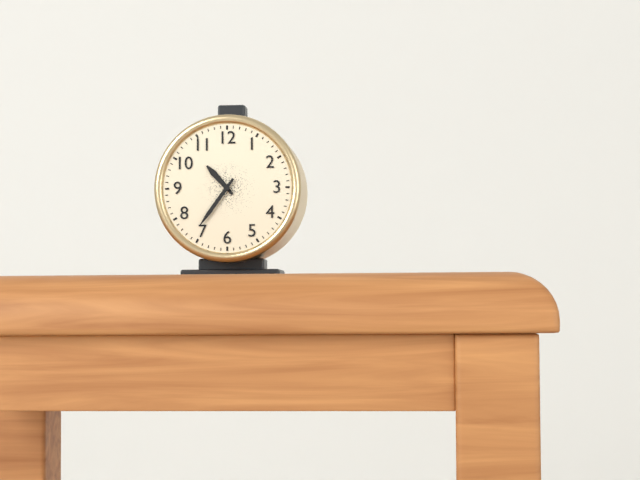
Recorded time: 10.36
